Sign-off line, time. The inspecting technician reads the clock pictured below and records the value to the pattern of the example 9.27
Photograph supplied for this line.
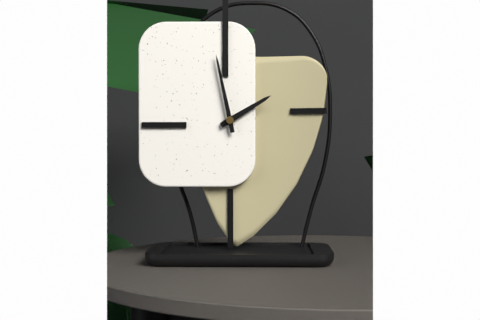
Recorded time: 1.58
